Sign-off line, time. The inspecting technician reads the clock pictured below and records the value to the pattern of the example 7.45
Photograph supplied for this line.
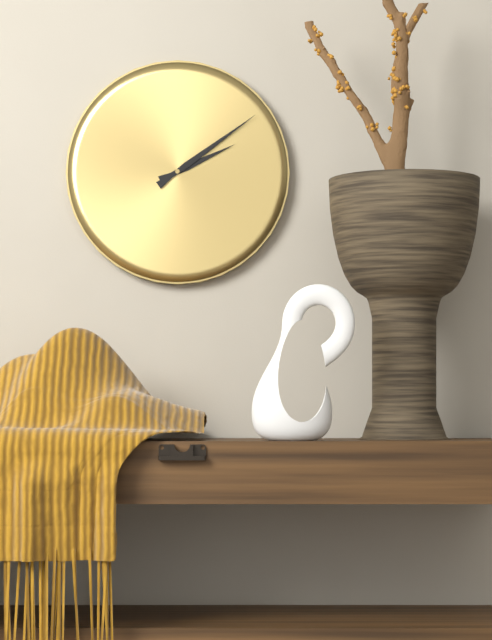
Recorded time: 2.09
